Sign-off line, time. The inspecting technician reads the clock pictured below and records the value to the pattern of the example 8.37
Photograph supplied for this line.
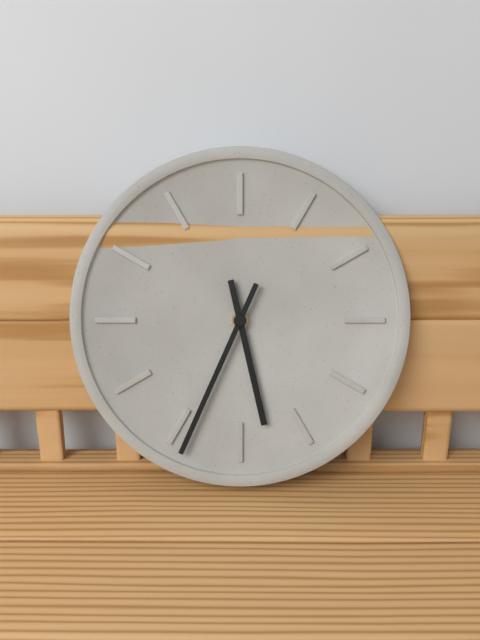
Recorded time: 5.34
